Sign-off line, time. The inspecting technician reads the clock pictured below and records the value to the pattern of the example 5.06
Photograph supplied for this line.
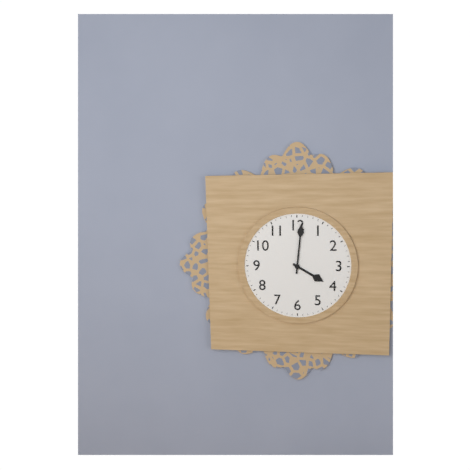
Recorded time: 4.01
